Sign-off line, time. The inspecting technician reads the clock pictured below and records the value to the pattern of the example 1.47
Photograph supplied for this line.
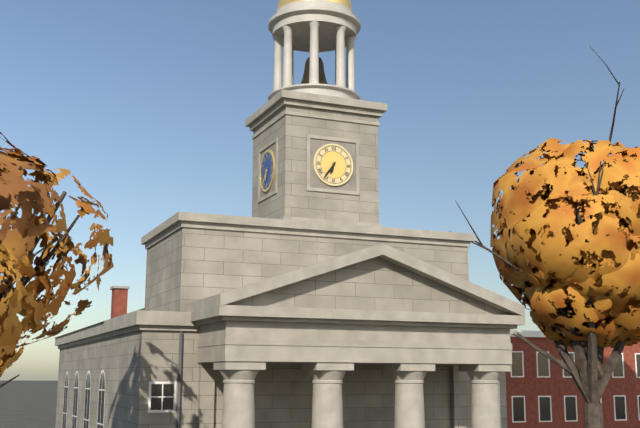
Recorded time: 6.36
